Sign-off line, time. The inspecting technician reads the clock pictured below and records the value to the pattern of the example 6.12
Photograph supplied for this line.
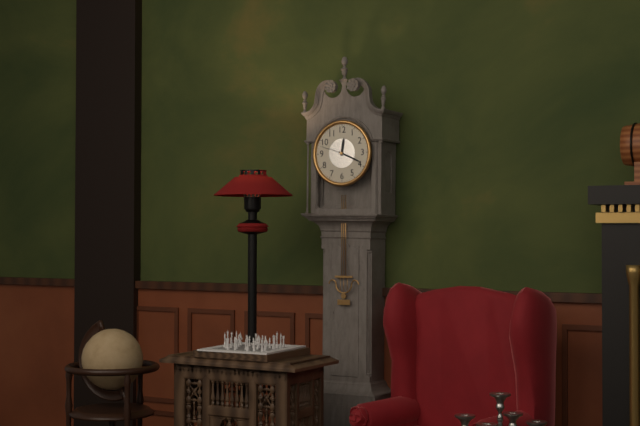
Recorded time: 12.19
